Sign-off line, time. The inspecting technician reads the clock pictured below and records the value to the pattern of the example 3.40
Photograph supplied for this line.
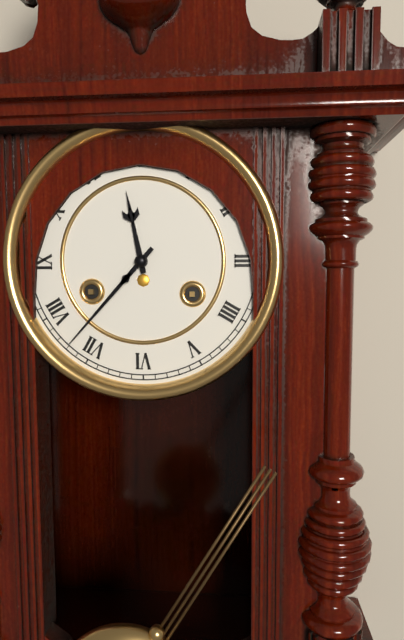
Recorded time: 11.37
